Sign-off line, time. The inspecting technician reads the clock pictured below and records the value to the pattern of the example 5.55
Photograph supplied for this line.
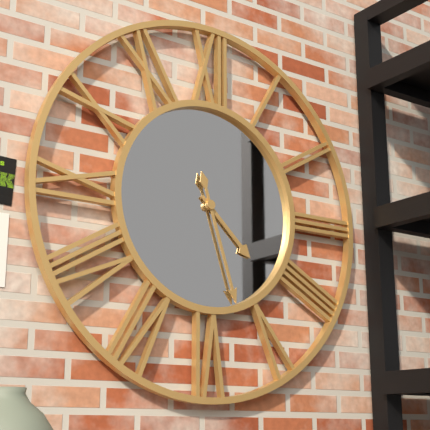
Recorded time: 4.27
